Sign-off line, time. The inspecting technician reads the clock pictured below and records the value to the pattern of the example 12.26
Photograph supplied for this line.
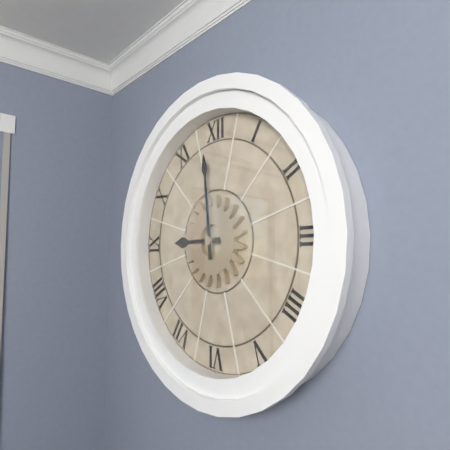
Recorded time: 8.59
